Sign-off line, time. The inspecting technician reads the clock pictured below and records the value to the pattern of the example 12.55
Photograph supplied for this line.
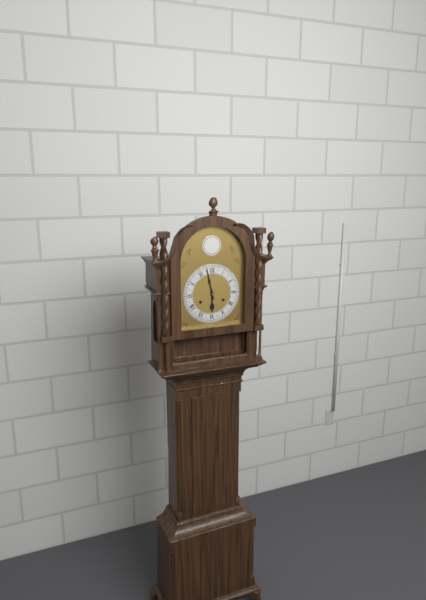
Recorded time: 5.58
